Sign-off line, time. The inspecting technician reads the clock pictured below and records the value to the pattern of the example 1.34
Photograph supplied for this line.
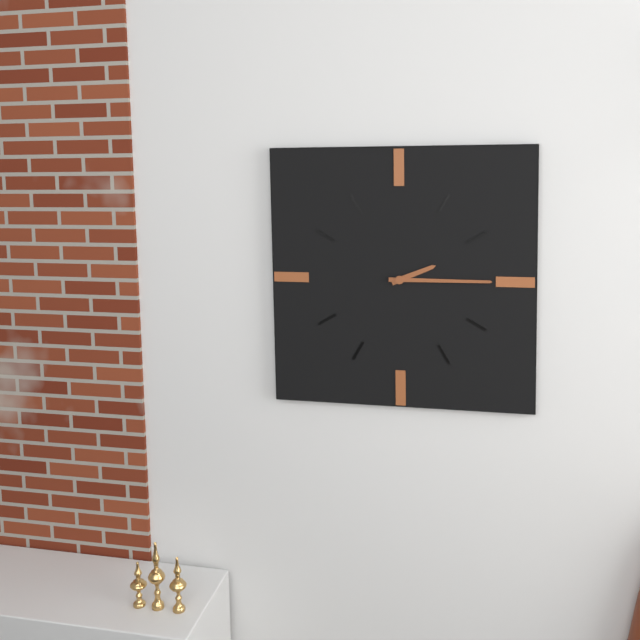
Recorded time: 2.15
